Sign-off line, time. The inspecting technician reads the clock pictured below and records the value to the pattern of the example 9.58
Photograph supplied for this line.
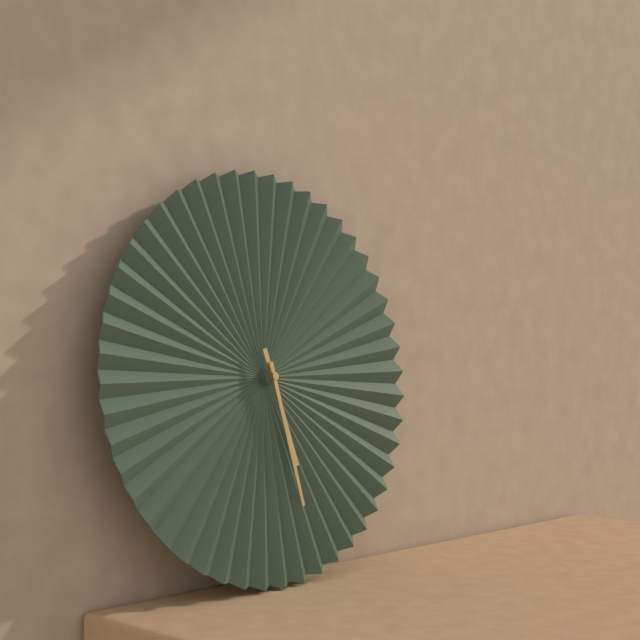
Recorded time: 5.28
